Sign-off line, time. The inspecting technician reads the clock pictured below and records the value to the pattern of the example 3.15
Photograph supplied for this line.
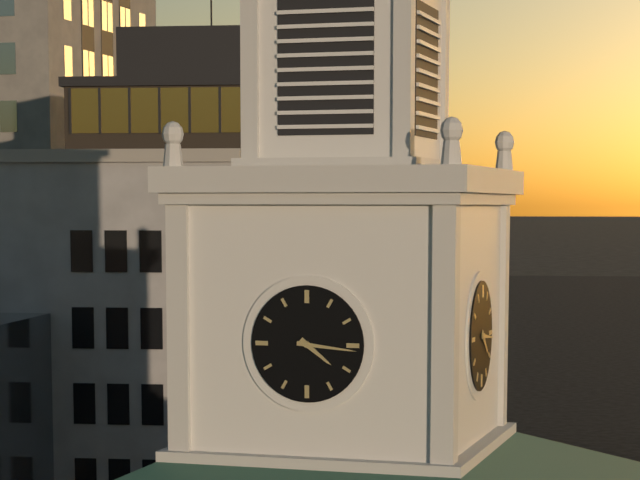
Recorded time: 4.16
